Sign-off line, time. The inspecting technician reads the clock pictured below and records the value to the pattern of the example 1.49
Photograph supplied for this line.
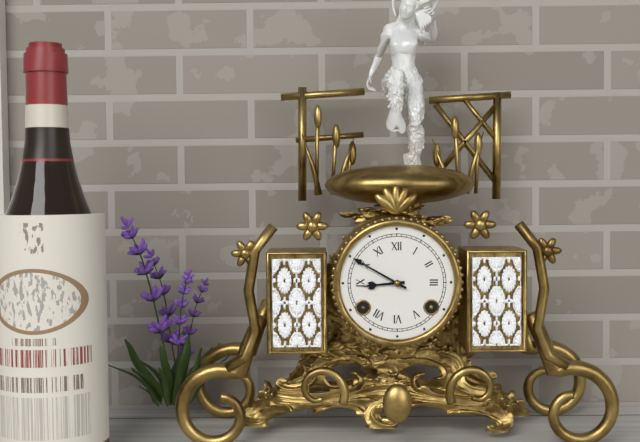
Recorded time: 8.50
